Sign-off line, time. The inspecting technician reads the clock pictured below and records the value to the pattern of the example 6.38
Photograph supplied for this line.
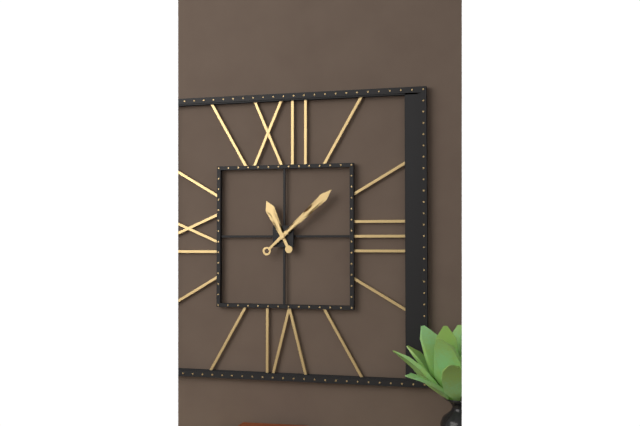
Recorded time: 11.08
